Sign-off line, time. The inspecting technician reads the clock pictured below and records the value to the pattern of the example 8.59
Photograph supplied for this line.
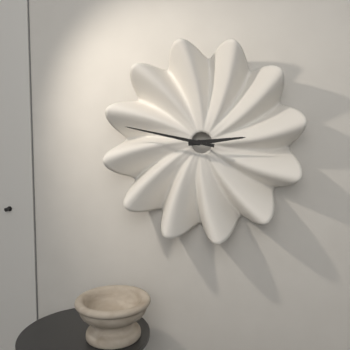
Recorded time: 2.47
